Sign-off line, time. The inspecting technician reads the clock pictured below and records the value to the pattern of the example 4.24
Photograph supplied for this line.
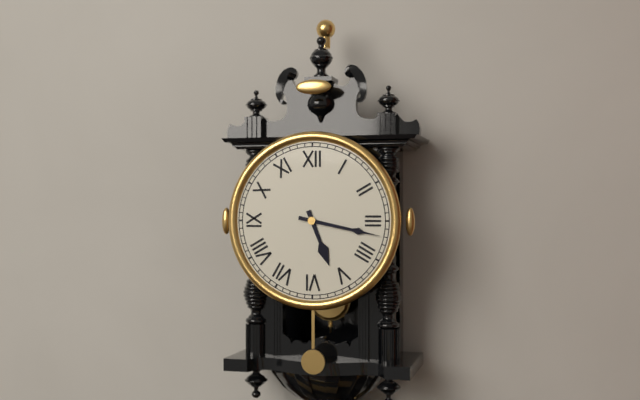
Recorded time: 5.17
